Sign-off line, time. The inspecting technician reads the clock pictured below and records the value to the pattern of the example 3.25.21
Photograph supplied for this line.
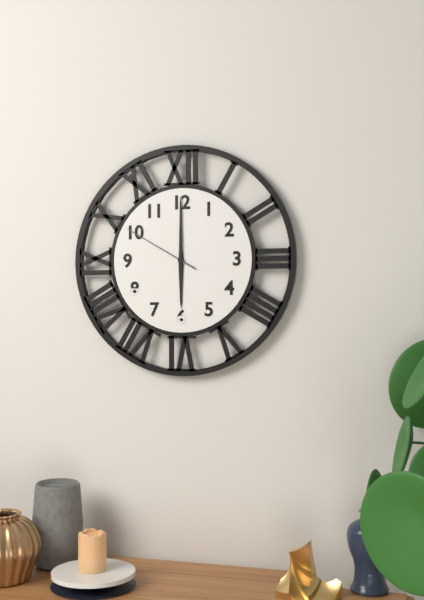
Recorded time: 6.00.50
